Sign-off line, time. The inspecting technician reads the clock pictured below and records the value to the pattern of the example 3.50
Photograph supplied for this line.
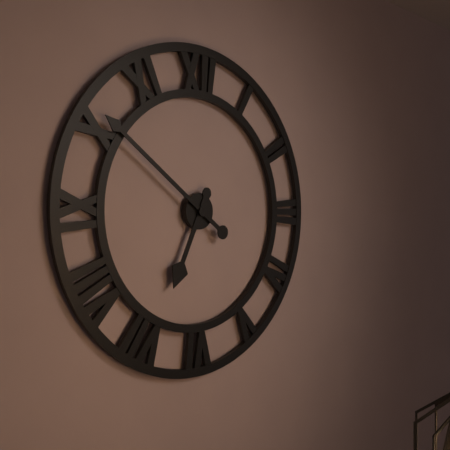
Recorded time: 6.51
